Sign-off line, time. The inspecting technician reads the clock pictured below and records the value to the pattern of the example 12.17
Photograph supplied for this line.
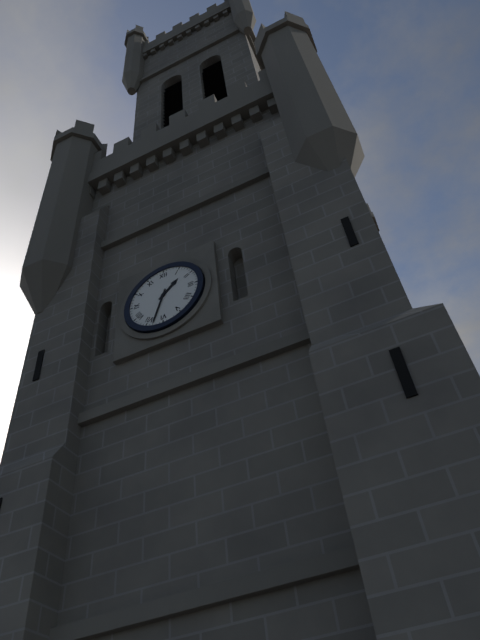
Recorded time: 1.33
